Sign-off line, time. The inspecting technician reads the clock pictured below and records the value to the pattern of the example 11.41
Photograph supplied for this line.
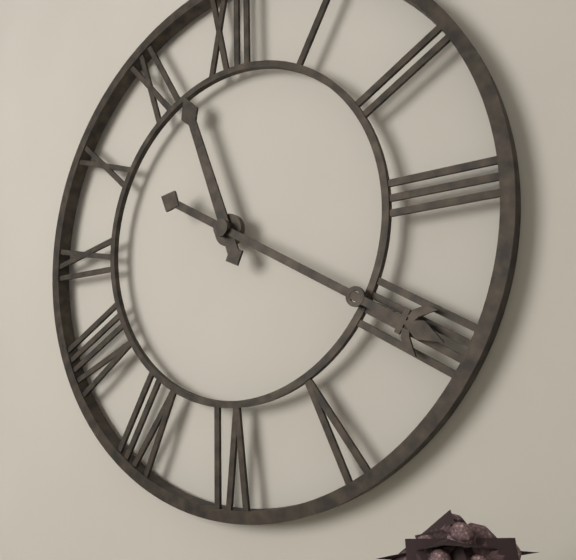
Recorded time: 11.20
